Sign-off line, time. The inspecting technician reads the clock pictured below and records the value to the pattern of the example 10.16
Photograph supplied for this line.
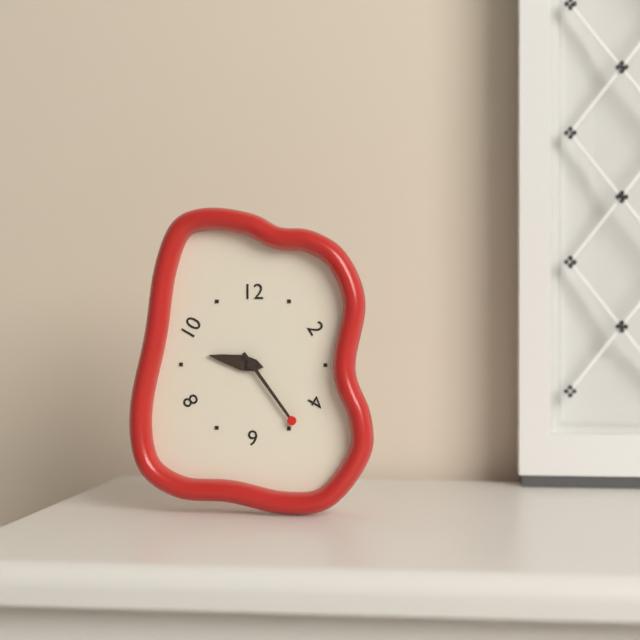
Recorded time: 9.24
